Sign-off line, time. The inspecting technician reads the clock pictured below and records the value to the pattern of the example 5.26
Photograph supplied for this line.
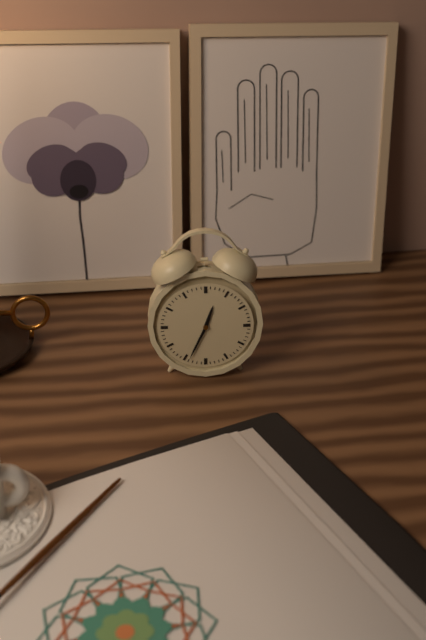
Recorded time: 12.34
